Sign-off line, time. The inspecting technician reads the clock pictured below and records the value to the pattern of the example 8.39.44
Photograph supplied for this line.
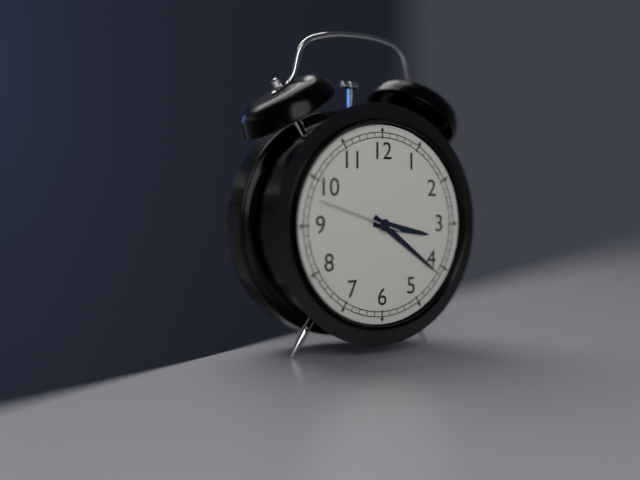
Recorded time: 3.21.48
